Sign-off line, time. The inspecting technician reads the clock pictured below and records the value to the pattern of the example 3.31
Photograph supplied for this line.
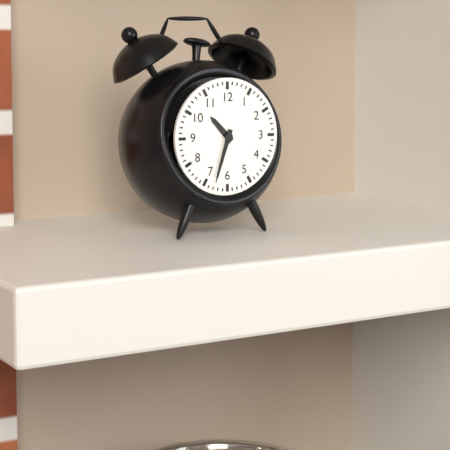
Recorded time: 10.33
